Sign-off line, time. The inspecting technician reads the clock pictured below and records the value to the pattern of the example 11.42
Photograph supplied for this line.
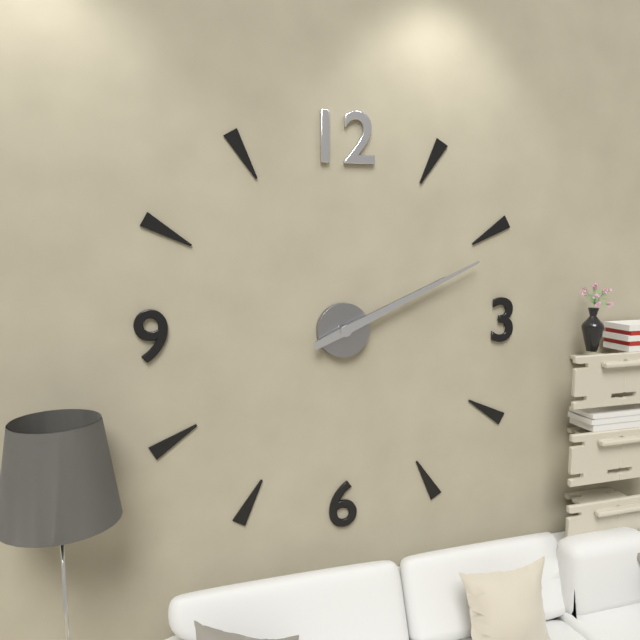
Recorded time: 2.11
